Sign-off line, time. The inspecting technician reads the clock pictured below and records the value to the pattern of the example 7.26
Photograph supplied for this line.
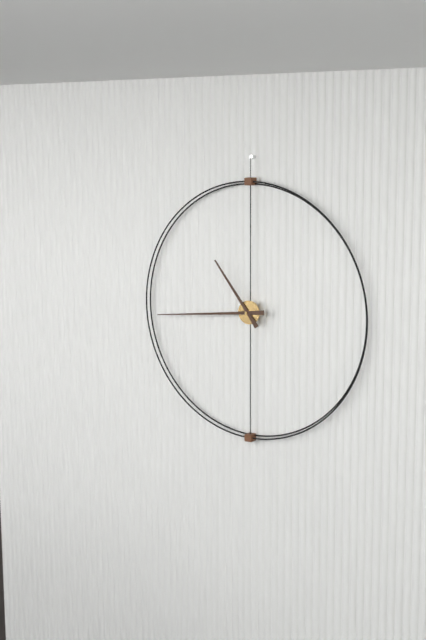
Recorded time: 10.44
